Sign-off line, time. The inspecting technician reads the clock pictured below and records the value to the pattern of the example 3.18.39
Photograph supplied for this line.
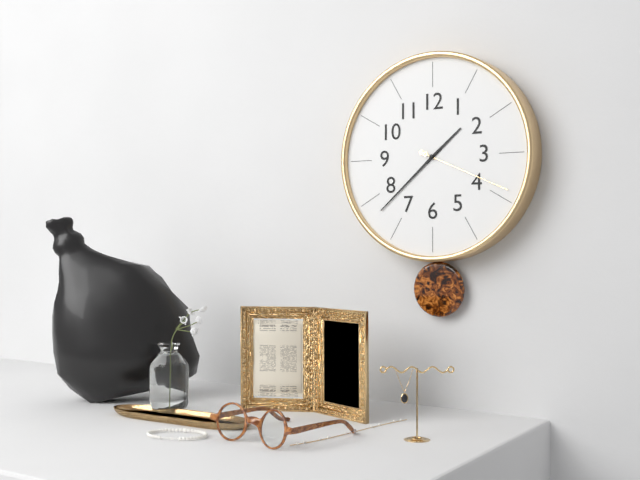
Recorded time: 1.38.19
